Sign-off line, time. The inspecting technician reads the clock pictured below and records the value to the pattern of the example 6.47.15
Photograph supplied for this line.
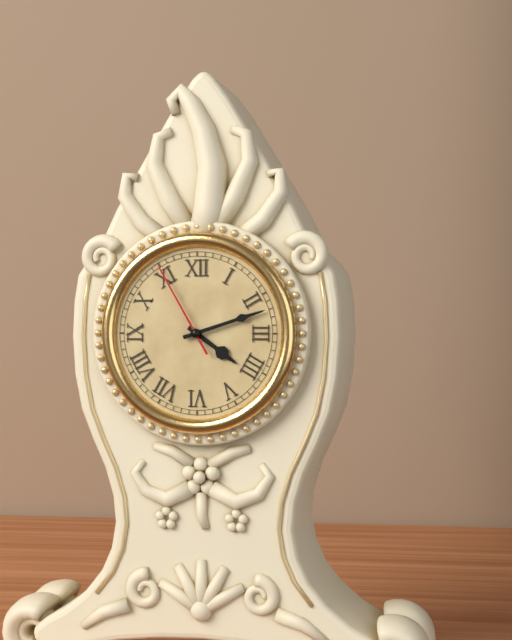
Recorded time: 4.12.55
